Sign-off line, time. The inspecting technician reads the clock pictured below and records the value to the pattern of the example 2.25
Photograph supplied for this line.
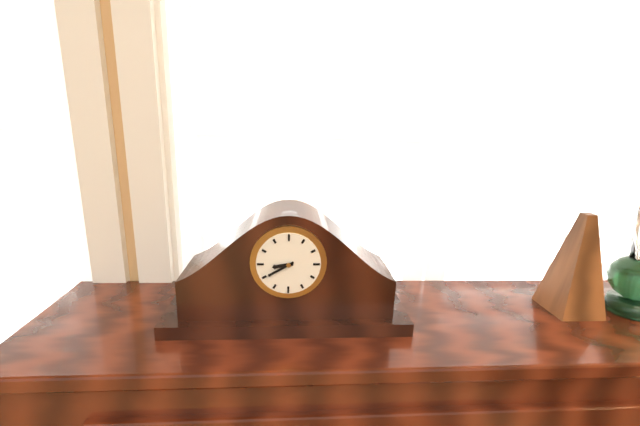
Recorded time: 8.40
